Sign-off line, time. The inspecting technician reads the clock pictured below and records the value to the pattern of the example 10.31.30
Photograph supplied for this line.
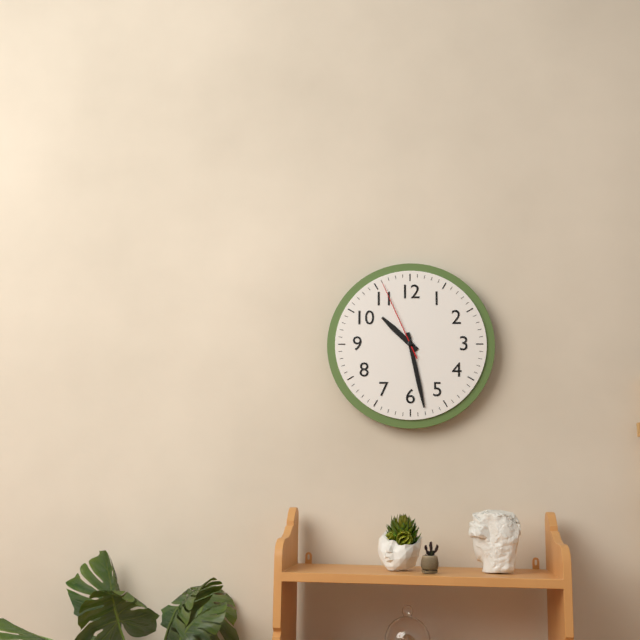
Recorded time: 10.28.56
